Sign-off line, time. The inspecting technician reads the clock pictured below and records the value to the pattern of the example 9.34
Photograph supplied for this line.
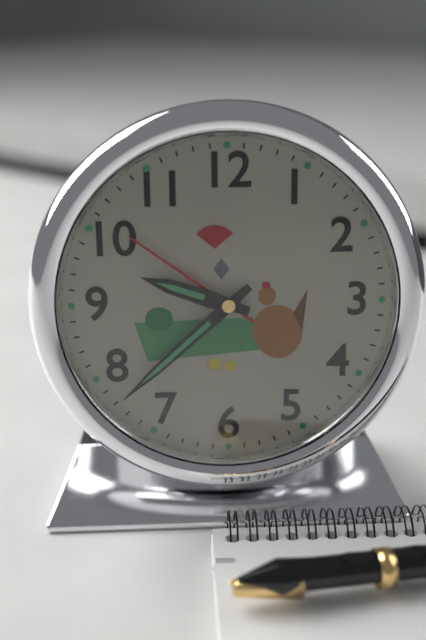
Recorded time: 9.38
